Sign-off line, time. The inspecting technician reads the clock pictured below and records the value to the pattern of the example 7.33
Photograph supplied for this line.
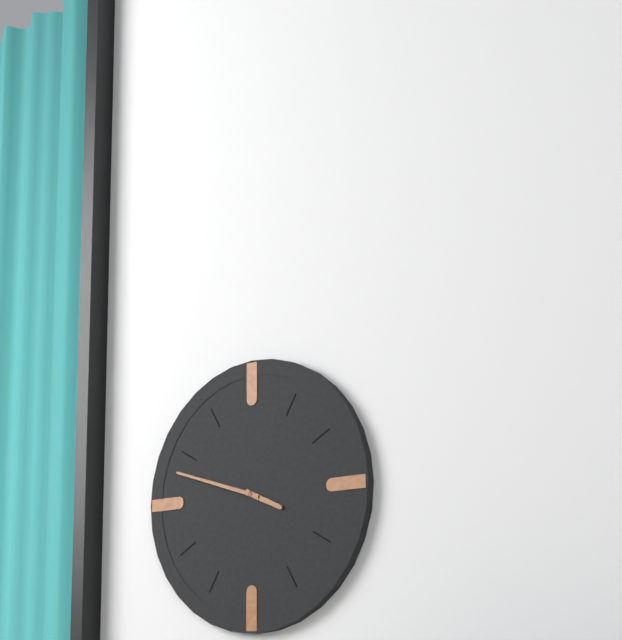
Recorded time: 3.48
